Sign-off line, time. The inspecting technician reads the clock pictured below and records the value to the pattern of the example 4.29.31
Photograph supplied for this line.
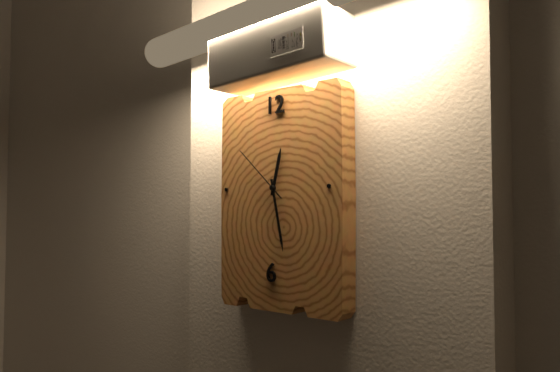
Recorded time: 12.28.52
